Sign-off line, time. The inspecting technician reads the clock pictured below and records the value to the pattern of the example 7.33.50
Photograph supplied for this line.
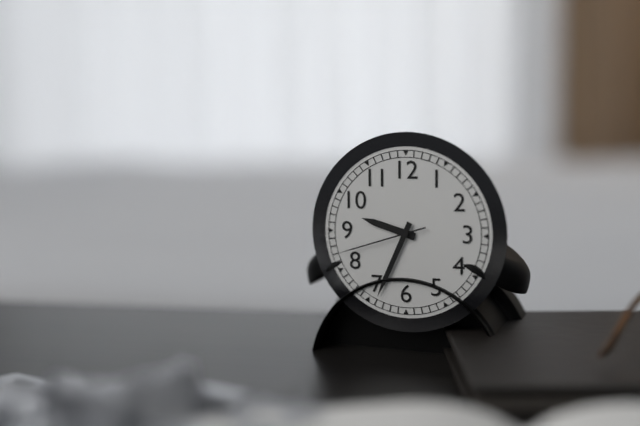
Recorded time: 9.34.42
